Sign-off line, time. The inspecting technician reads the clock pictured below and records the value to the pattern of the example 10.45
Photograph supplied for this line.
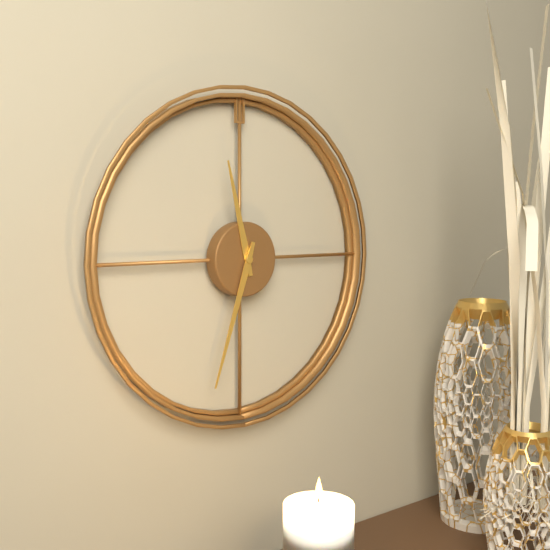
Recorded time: 11.33
